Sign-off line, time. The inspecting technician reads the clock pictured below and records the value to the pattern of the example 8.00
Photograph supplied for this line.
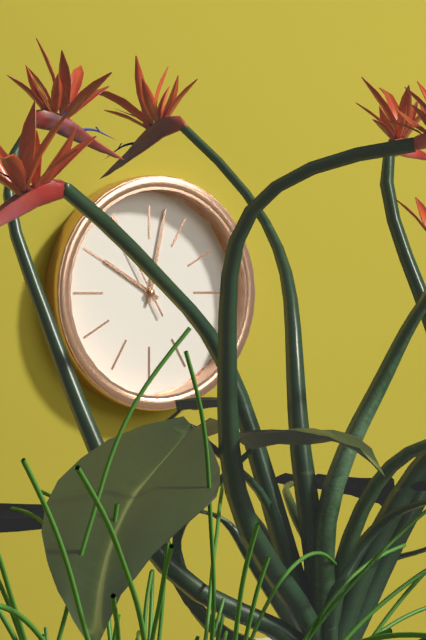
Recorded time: 10.02
